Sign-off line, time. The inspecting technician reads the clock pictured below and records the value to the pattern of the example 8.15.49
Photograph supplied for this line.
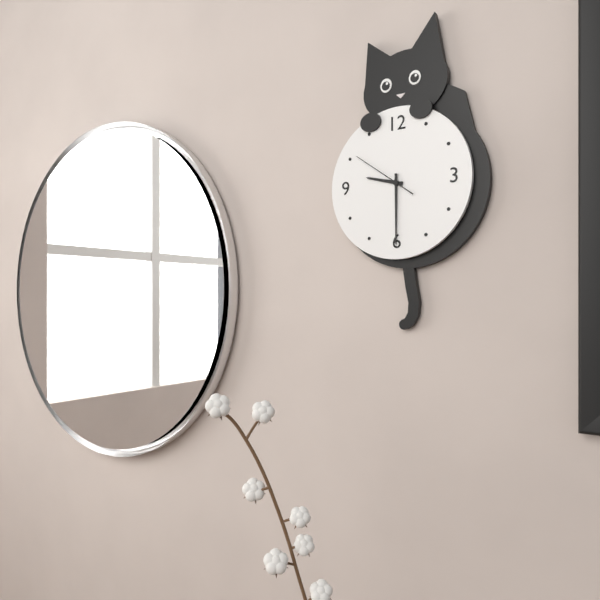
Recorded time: 9.30.51
